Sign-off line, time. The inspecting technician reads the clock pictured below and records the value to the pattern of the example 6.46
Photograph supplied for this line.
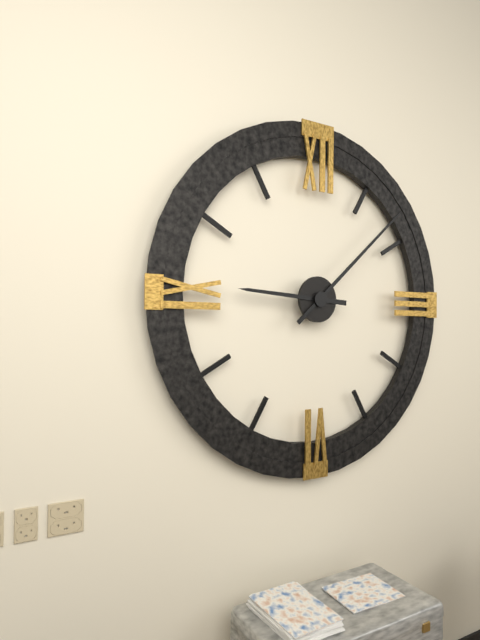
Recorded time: 9.08
